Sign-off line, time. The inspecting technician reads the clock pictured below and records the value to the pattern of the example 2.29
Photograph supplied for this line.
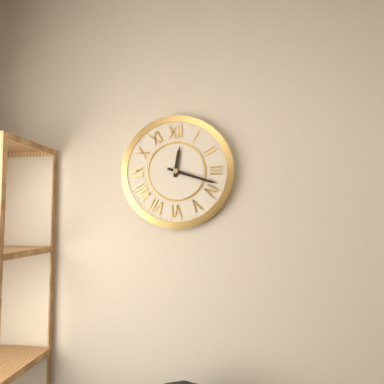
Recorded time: 12.18
